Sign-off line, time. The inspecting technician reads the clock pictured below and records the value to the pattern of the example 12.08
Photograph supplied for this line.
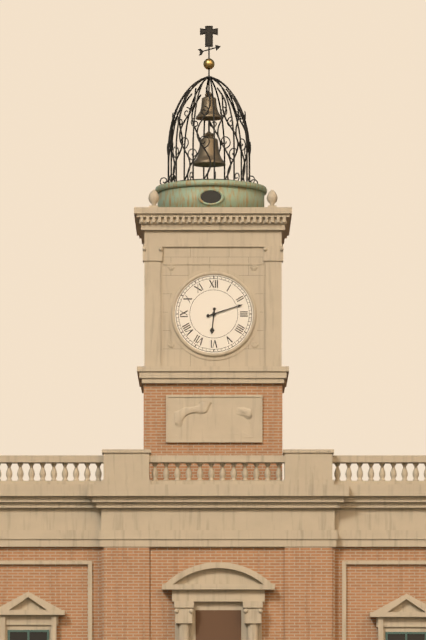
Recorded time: 6.12
